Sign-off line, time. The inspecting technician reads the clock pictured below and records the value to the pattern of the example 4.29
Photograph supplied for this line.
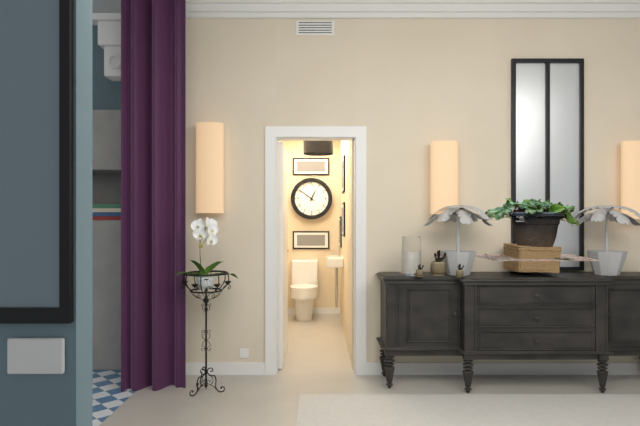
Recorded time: 12.51
